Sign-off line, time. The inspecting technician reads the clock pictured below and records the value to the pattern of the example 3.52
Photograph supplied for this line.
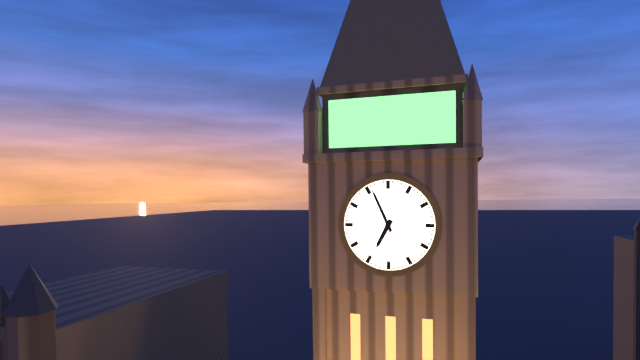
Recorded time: 6.56
